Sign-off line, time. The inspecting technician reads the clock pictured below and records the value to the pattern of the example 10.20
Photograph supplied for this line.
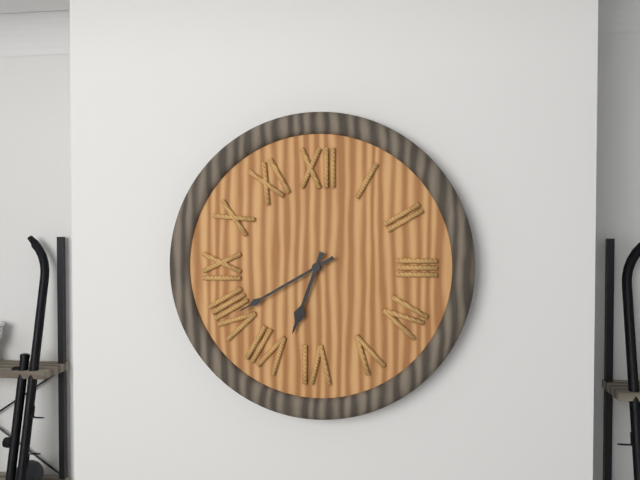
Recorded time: 6.40
